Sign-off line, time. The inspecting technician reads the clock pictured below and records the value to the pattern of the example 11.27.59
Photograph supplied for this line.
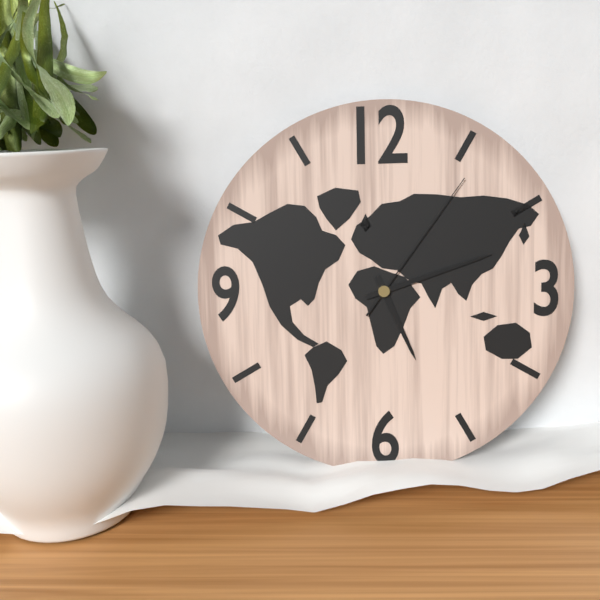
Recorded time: 5.12.06
